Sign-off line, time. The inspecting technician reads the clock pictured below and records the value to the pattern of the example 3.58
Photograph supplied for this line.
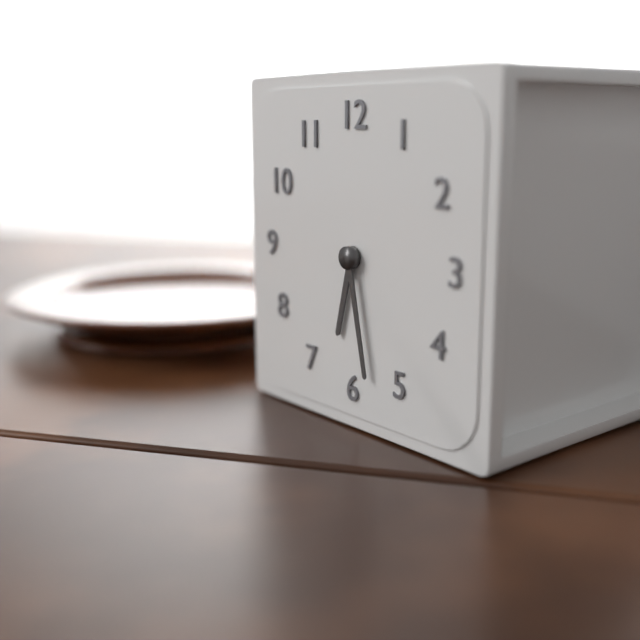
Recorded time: 6.28
